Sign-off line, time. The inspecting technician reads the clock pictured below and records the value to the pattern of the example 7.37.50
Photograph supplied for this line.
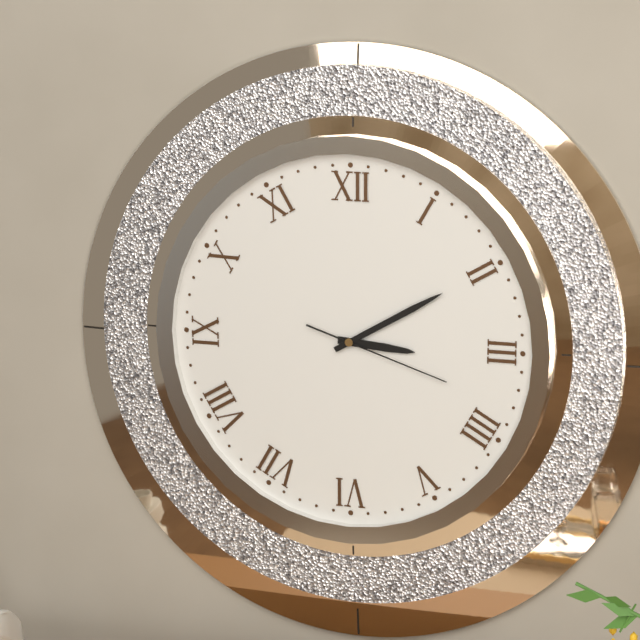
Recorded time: 3.10.18
